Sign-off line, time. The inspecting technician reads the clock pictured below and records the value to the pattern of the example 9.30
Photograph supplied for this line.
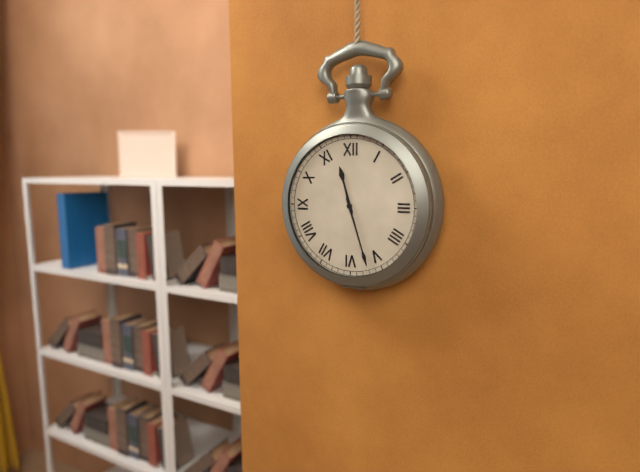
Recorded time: 11.27
